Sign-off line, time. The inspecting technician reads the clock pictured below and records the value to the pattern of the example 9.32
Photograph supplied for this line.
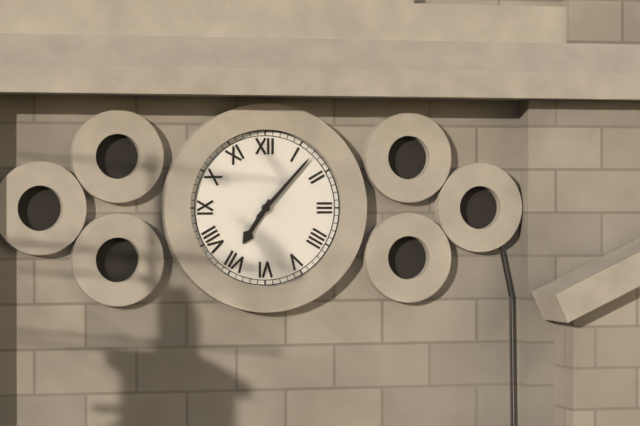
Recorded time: 7.07
